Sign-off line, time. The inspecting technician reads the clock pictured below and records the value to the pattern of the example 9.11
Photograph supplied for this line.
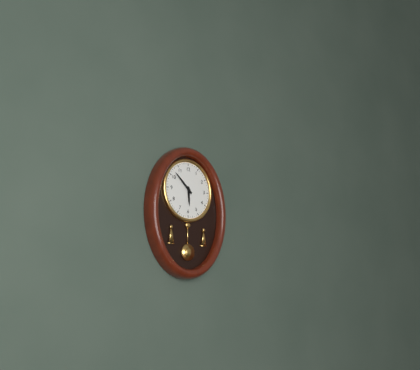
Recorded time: 5.52
